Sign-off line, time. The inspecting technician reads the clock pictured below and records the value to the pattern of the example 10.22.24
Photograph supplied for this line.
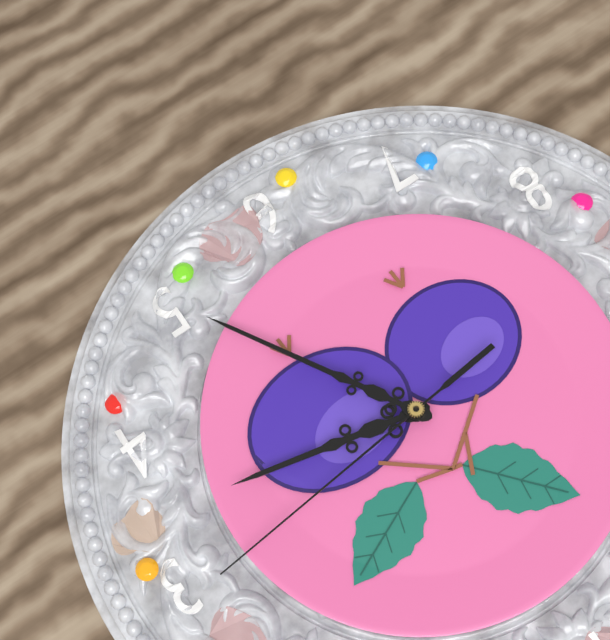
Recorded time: 3.25.14
